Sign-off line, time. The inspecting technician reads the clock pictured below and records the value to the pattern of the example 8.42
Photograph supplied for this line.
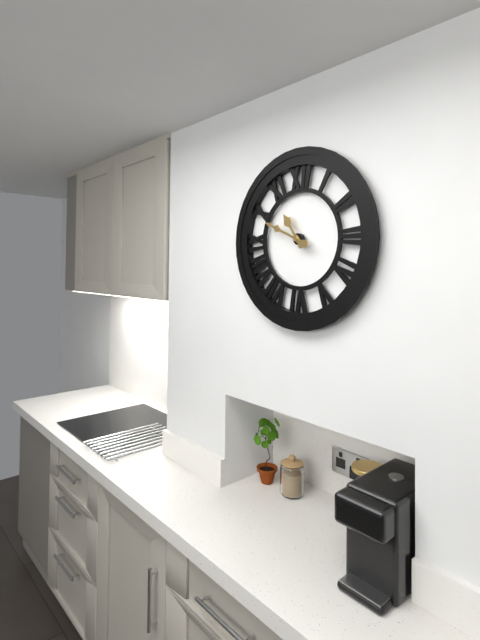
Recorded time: 10.49
